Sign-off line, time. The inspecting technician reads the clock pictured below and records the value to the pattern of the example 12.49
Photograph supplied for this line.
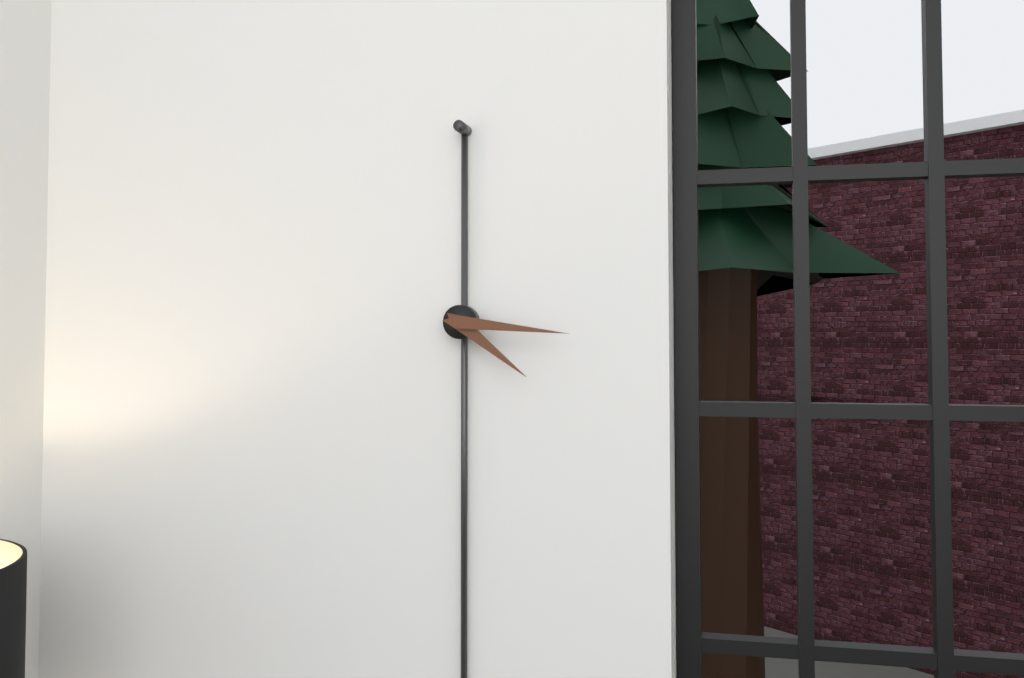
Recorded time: 4.16
